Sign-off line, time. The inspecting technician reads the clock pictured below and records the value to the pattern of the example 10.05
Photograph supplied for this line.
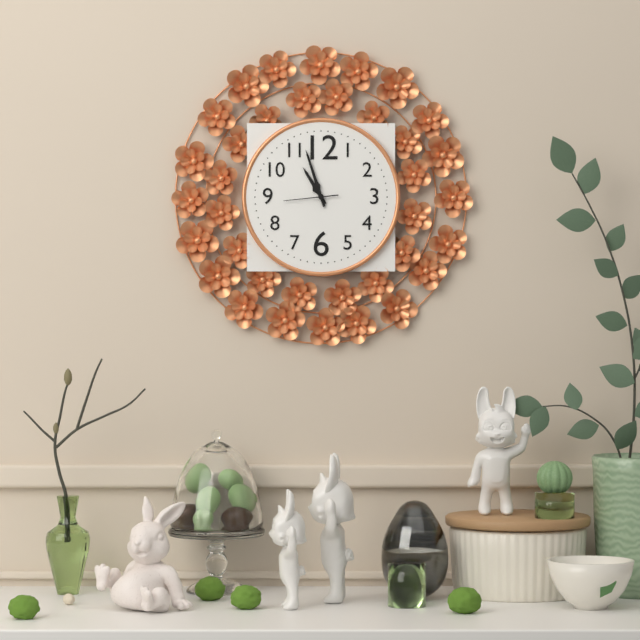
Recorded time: 10.57
